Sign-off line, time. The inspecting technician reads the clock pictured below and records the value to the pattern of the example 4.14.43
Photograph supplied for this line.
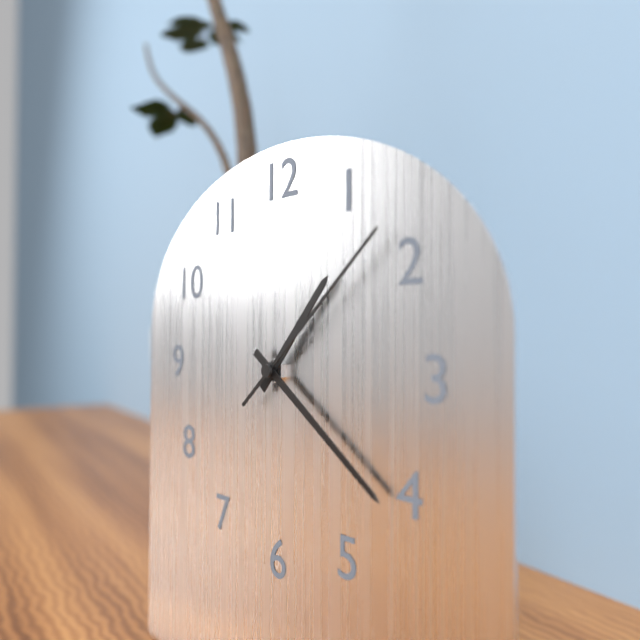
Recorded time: 1.21.08
